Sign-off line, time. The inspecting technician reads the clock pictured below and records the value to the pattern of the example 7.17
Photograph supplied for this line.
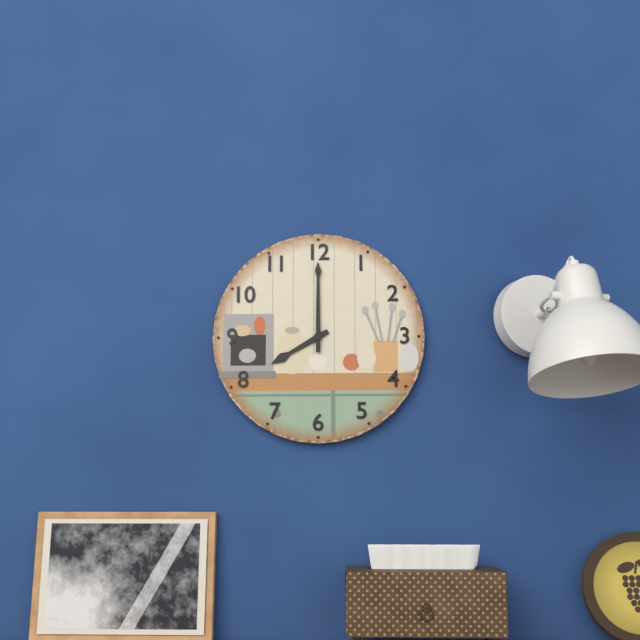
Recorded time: 8.00
